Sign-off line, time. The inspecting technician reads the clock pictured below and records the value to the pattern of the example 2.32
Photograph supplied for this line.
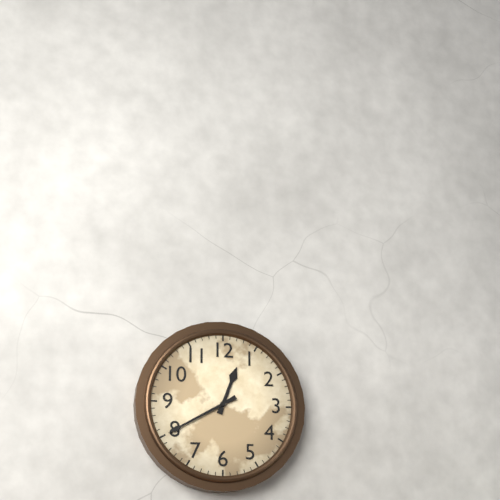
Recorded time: 12.40
